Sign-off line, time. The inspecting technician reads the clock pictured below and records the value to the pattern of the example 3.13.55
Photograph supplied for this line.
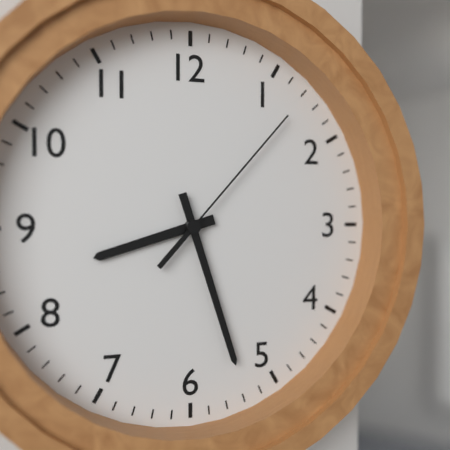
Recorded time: 8.27.07
